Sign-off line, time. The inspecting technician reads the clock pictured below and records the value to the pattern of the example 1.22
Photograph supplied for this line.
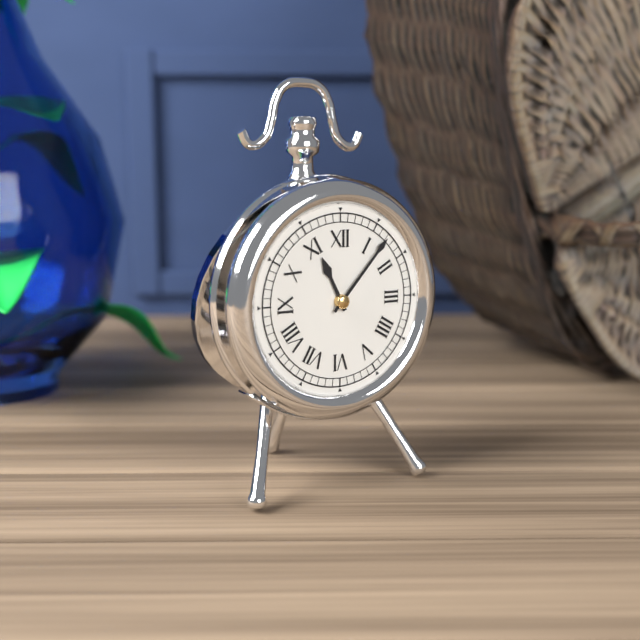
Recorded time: 11.07
